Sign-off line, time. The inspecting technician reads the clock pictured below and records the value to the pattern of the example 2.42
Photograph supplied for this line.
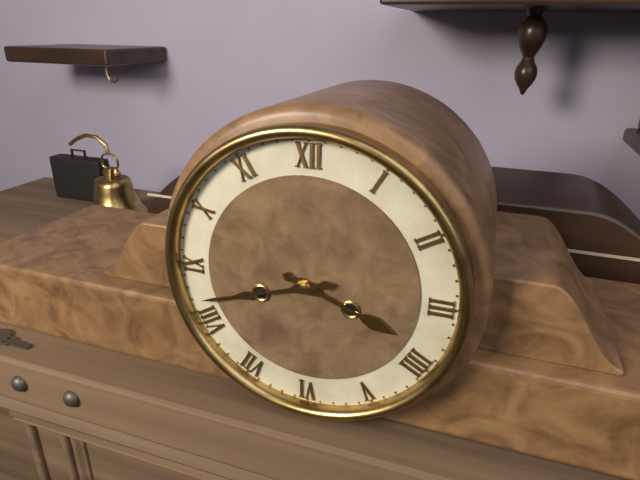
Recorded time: 3.42
